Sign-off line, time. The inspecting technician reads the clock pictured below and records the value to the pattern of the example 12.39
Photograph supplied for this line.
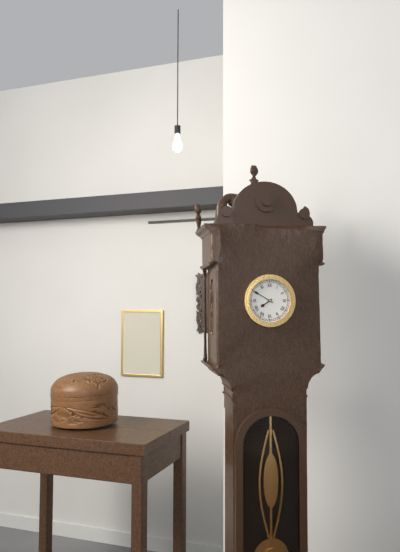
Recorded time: 7.50
